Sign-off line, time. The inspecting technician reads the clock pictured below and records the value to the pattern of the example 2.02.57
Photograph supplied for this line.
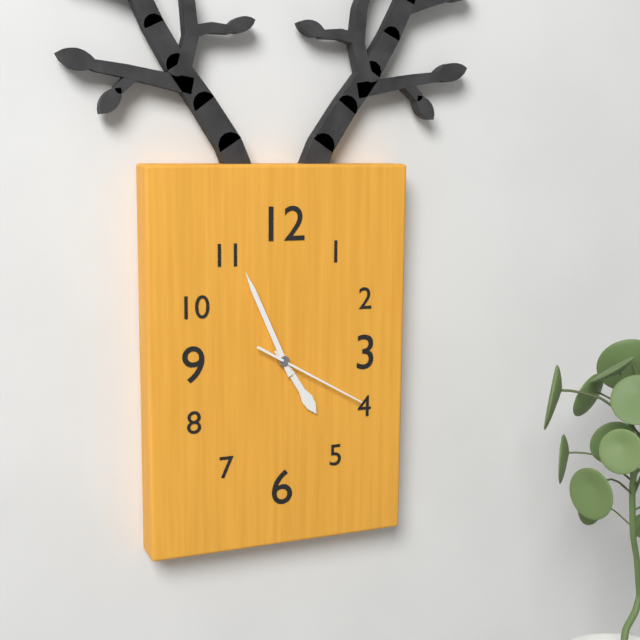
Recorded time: 4.56.20
